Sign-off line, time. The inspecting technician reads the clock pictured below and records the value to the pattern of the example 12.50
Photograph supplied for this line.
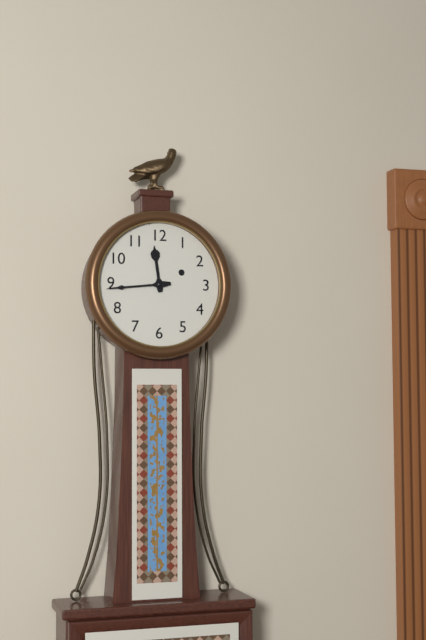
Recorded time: 11.44
